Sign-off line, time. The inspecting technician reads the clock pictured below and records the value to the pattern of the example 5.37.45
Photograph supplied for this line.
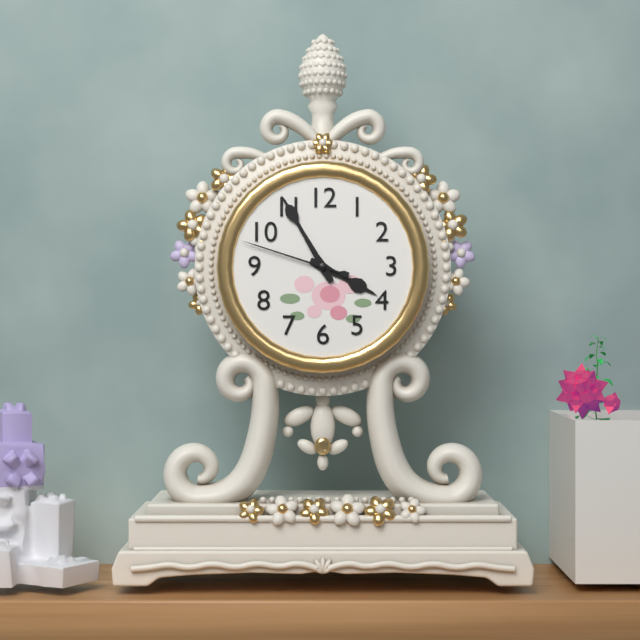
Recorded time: 3.55.48
